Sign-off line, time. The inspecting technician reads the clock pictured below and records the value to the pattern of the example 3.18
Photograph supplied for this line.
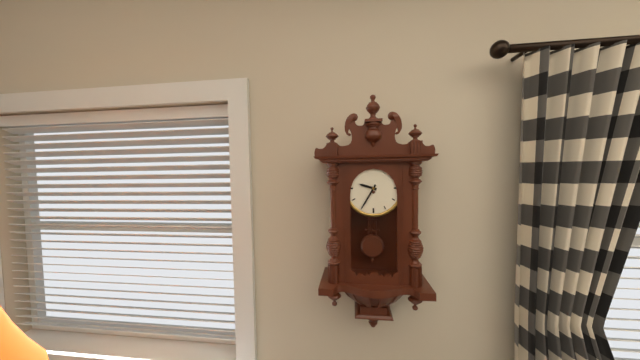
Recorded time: 9.35
